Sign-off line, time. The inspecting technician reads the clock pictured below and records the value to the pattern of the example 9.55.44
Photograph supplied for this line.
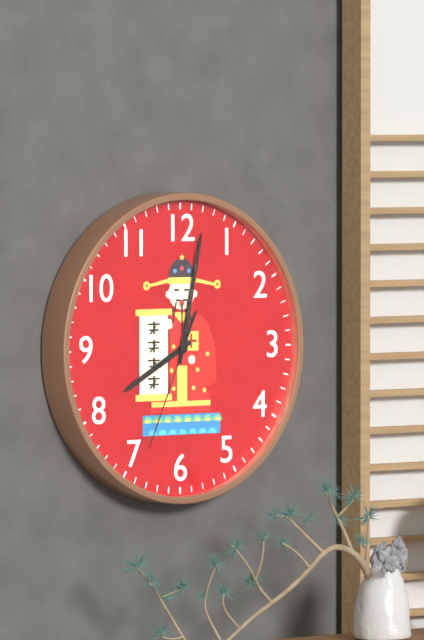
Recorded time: 8.02.34
